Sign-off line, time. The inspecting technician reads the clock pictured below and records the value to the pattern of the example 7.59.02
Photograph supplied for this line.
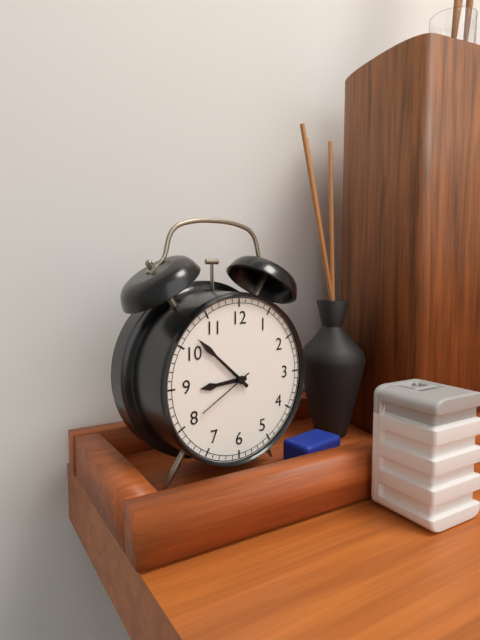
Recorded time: 8.52.40
